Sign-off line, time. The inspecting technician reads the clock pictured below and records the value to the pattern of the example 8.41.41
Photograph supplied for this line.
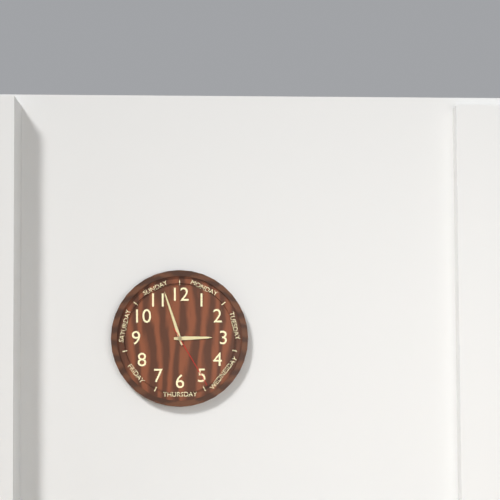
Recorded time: 2.57.25
